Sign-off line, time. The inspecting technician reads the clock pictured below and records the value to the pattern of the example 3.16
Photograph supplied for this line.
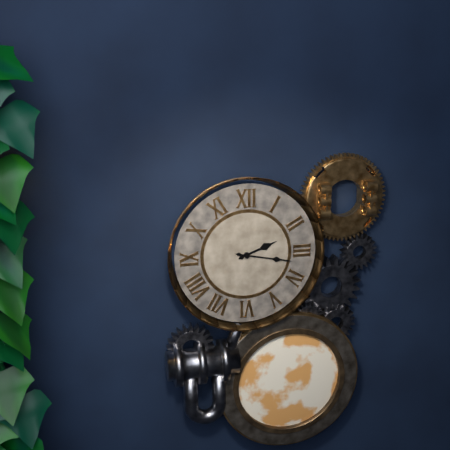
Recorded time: 2.17
